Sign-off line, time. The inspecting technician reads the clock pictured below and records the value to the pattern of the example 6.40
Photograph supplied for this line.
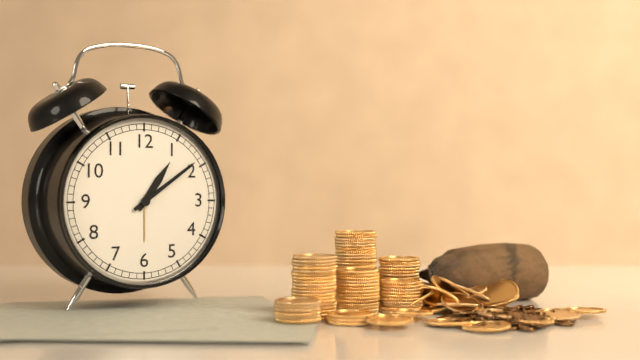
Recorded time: 1.09
